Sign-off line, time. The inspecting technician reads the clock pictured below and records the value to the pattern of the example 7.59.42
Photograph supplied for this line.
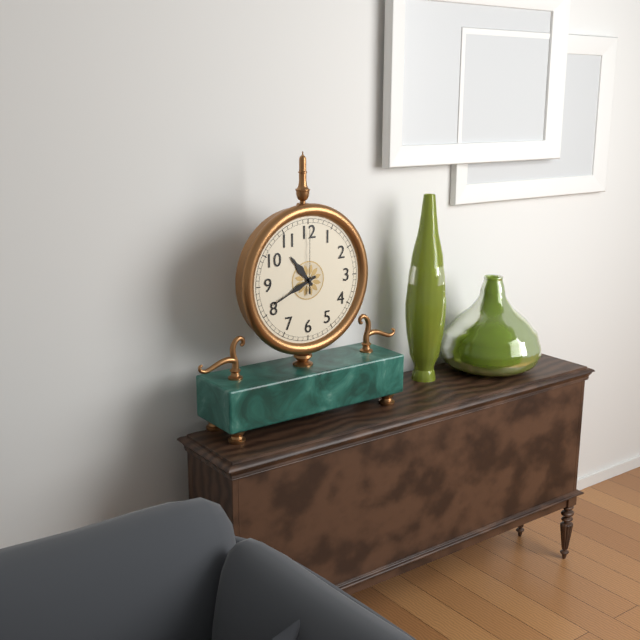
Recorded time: 10.41.00
